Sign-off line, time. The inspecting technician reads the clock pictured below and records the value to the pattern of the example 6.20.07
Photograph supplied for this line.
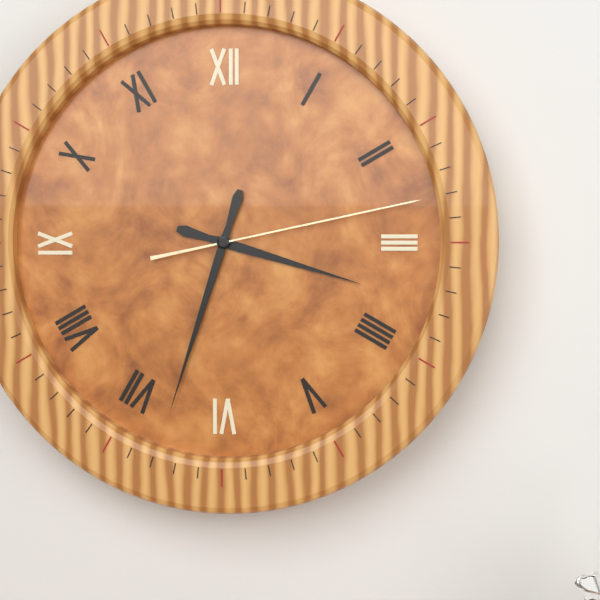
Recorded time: 3.33.13
